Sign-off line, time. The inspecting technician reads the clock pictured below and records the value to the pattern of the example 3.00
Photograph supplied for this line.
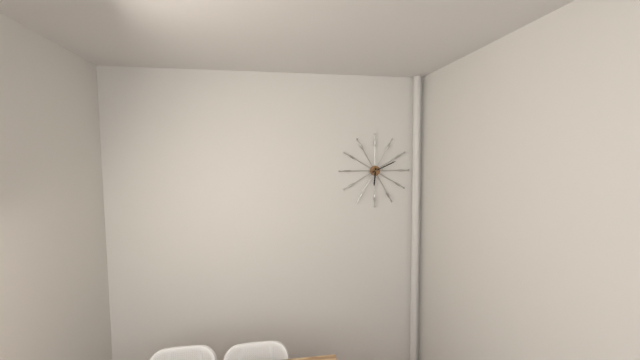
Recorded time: 6.11
